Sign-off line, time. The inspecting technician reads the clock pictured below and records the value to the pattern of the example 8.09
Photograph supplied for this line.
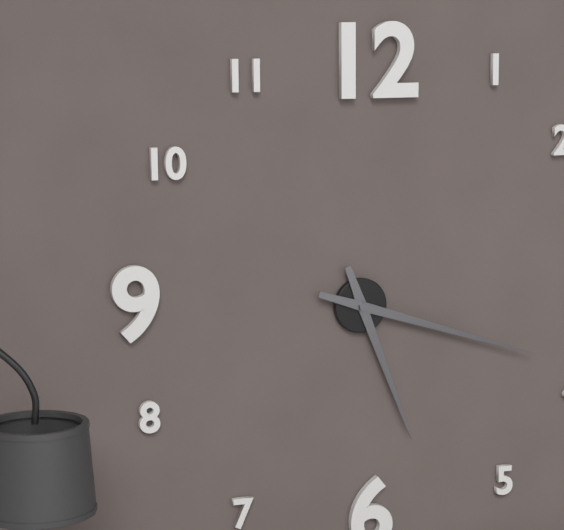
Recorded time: 5.18
